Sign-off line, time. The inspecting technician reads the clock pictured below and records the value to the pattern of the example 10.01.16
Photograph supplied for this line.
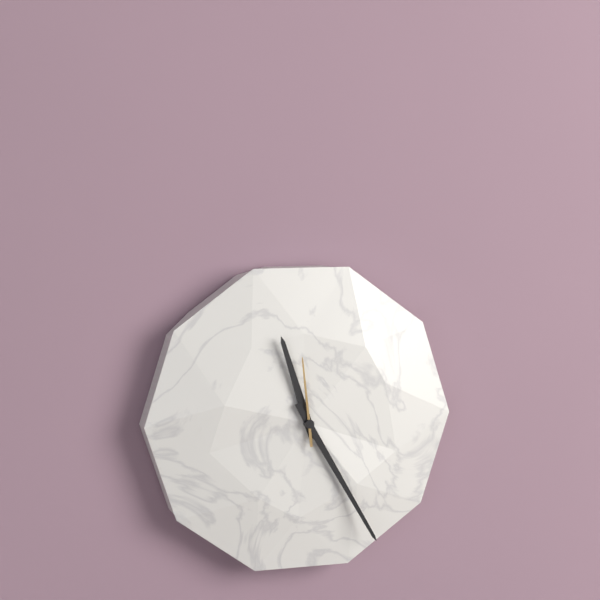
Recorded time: 11.25.59
